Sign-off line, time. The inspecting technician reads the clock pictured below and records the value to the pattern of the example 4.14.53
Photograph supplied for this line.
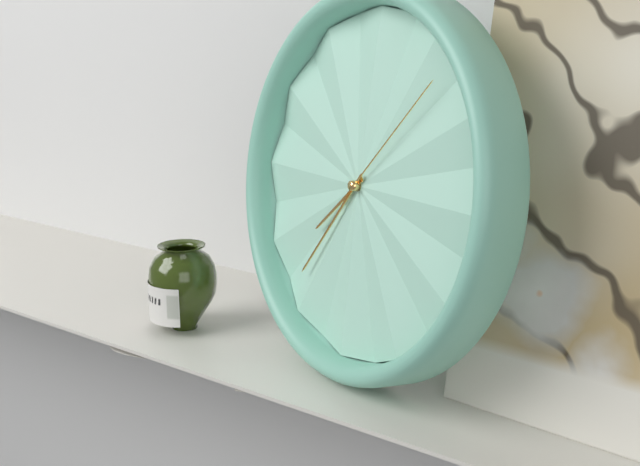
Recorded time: 7.36.07
